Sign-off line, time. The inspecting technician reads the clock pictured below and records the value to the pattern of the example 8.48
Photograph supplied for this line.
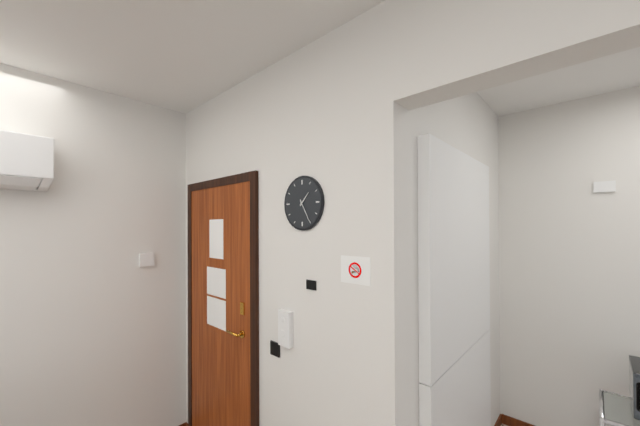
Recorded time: 1.25
